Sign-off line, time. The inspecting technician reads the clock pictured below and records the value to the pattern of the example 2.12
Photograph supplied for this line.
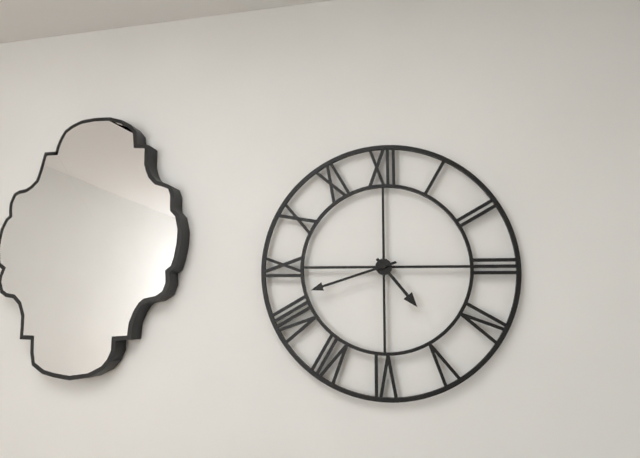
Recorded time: 4.42
